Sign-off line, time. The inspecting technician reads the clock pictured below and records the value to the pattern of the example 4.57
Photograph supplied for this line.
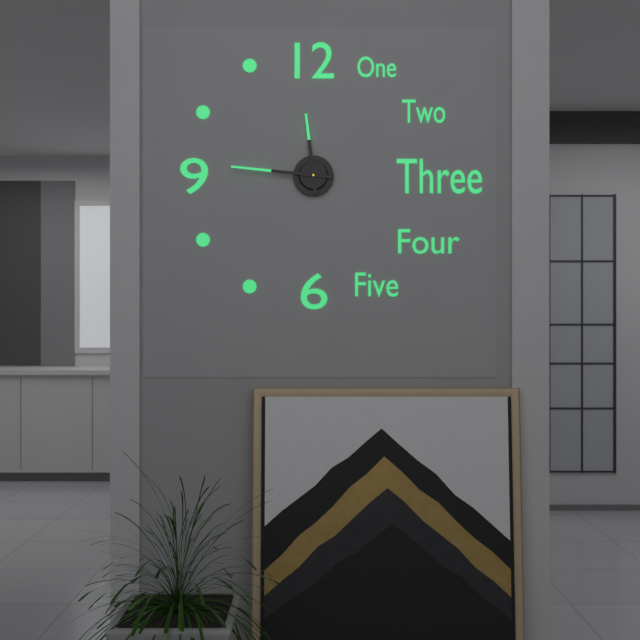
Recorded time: 11.46
